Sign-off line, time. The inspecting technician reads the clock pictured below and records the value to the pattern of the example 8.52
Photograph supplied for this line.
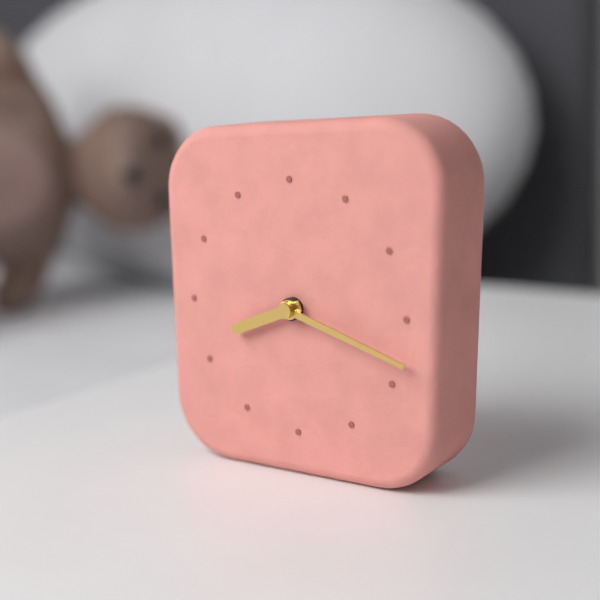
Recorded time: 8.18
